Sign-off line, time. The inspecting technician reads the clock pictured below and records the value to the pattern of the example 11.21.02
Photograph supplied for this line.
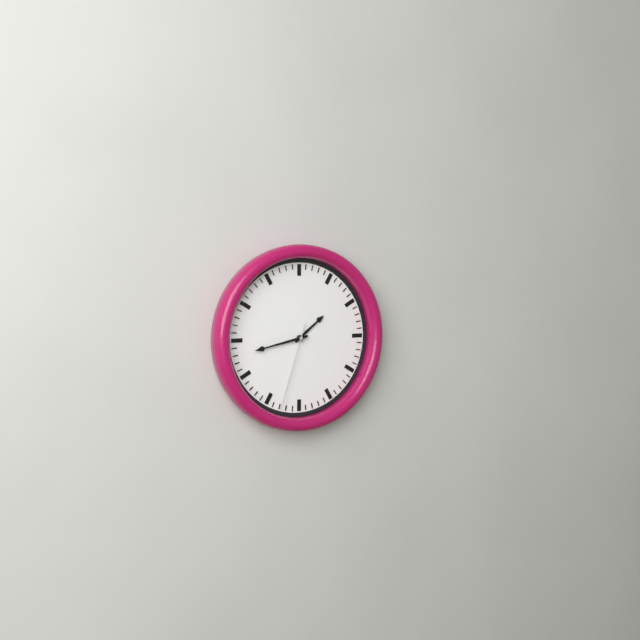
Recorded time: 1.43.33
